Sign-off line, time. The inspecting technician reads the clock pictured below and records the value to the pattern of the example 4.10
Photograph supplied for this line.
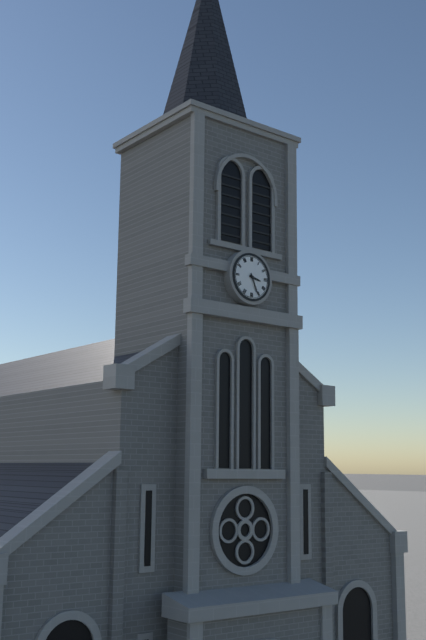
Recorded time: 3.26
